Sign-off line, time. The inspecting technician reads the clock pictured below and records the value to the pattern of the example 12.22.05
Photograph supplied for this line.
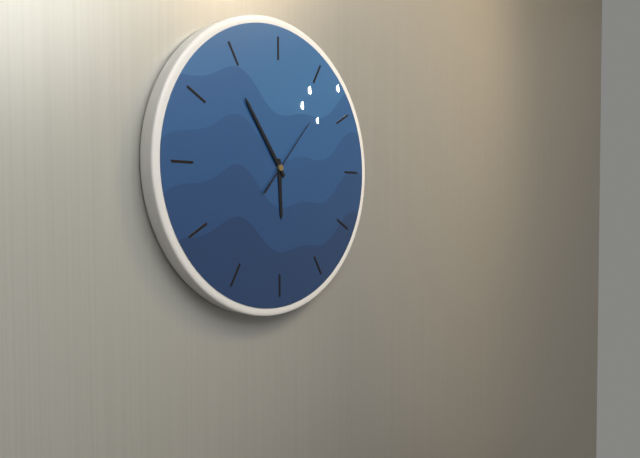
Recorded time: 5.54.07
